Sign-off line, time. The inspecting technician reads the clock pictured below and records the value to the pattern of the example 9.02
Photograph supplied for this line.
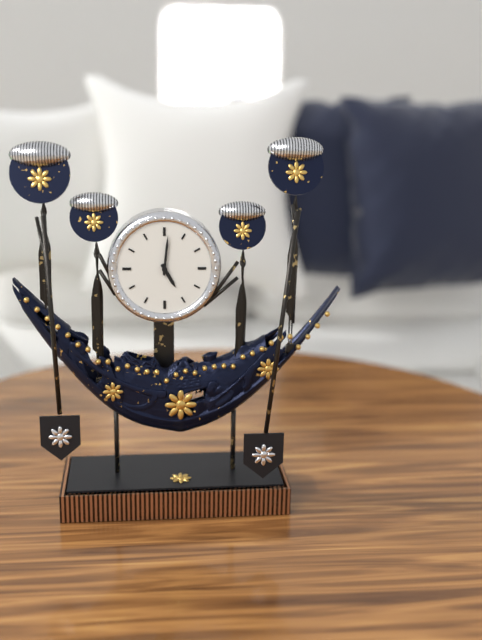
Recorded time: 5.01
